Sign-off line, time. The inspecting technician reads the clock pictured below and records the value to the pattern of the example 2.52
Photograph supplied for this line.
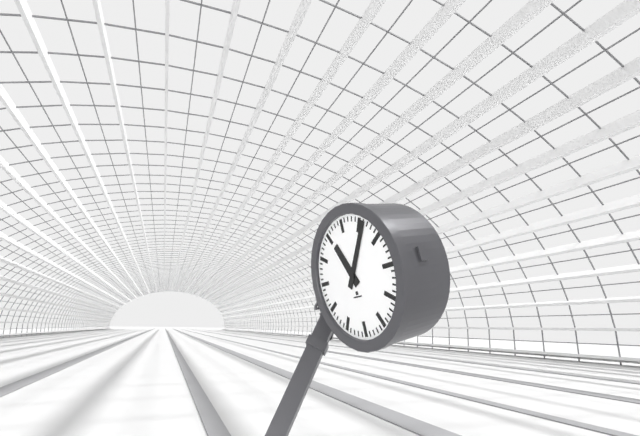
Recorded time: 11.06
